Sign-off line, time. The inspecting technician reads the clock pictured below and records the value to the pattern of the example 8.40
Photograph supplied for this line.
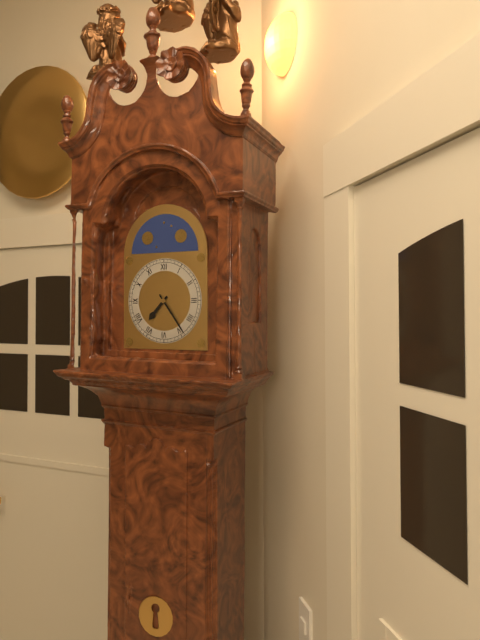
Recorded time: 7.24
